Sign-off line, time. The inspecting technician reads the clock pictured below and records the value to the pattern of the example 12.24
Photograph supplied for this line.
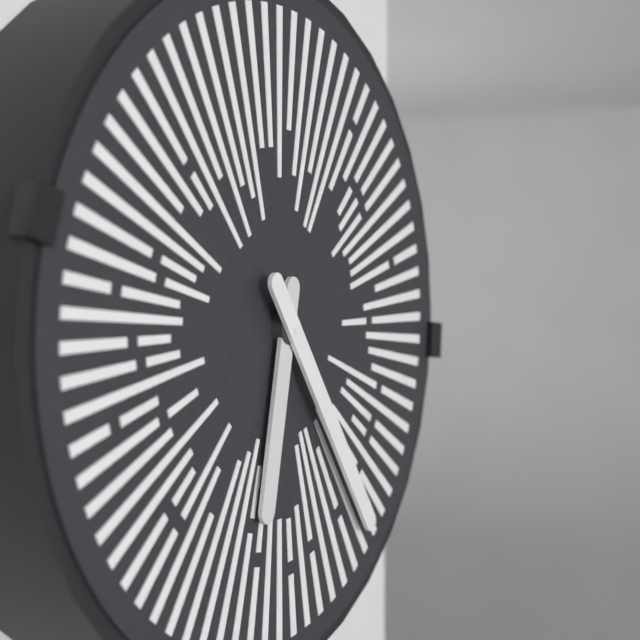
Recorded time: 6.24
